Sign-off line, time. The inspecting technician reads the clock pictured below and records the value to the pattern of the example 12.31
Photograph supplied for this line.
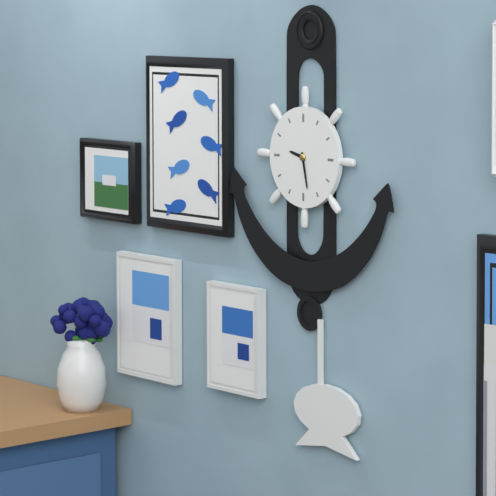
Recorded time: 9.28
